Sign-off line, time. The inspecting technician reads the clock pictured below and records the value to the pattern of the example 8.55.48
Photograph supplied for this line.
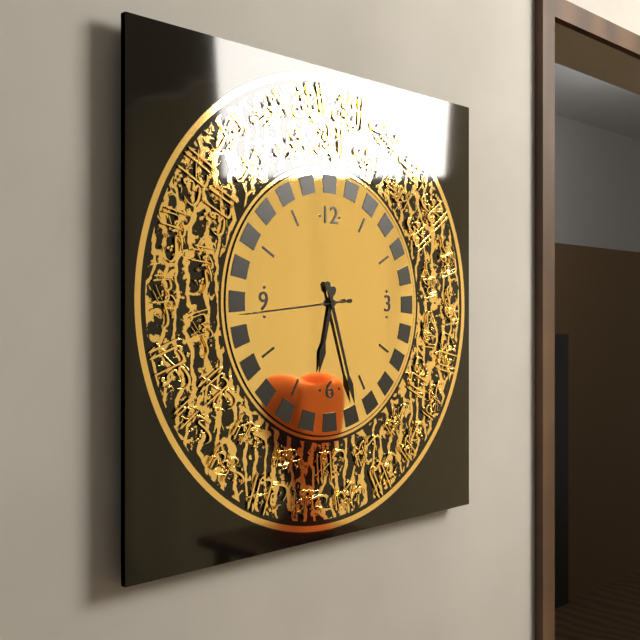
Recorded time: 6.27.44
